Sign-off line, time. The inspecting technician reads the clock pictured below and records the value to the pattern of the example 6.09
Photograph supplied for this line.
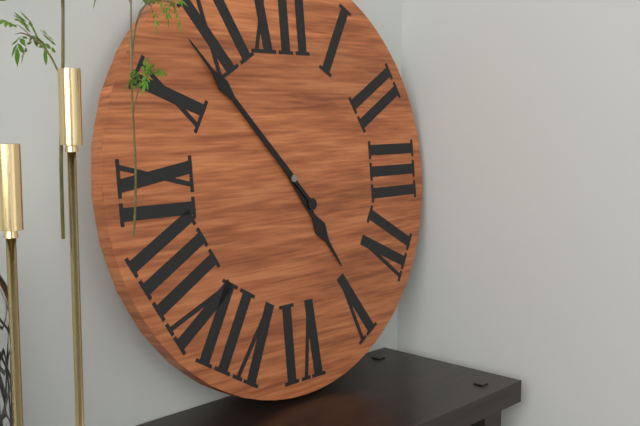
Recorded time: 4.53
